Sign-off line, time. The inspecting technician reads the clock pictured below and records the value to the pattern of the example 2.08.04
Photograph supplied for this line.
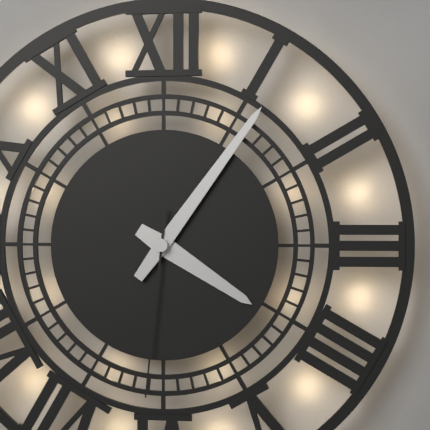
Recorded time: 4.06.31
